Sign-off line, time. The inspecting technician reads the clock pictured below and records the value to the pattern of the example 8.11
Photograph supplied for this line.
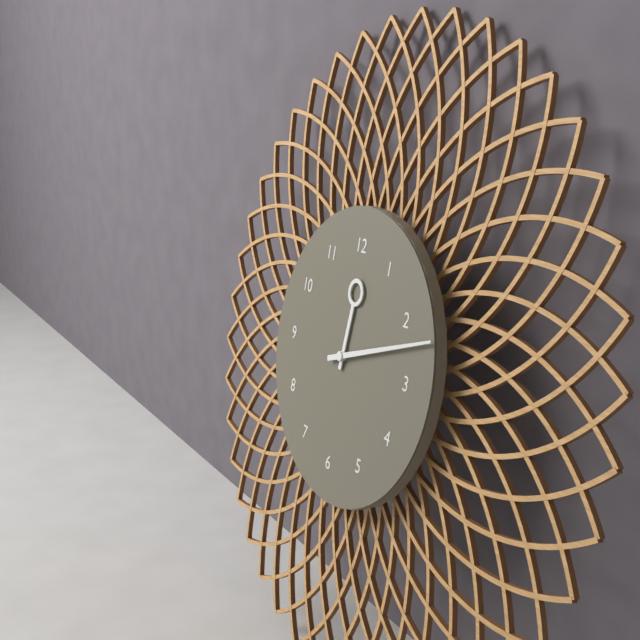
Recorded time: 12.12
